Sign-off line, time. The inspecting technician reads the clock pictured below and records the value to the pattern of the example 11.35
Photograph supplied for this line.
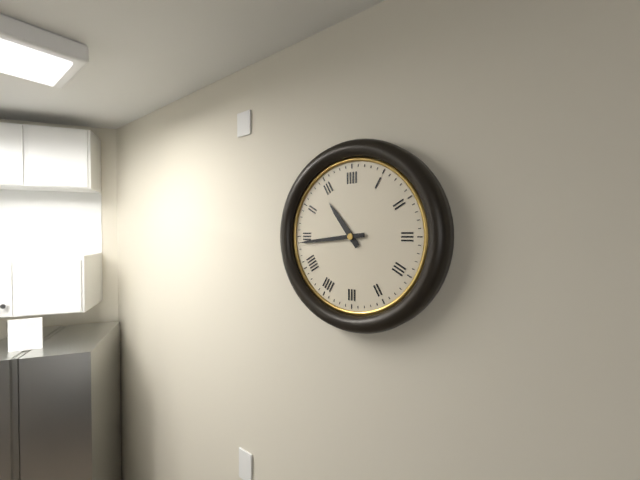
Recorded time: 10.44
